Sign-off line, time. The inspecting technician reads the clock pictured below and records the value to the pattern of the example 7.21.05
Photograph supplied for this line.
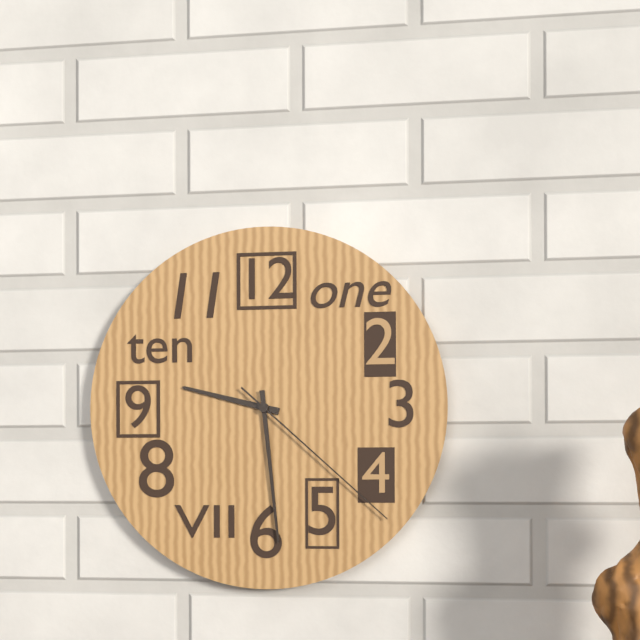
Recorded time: 9.29.22
